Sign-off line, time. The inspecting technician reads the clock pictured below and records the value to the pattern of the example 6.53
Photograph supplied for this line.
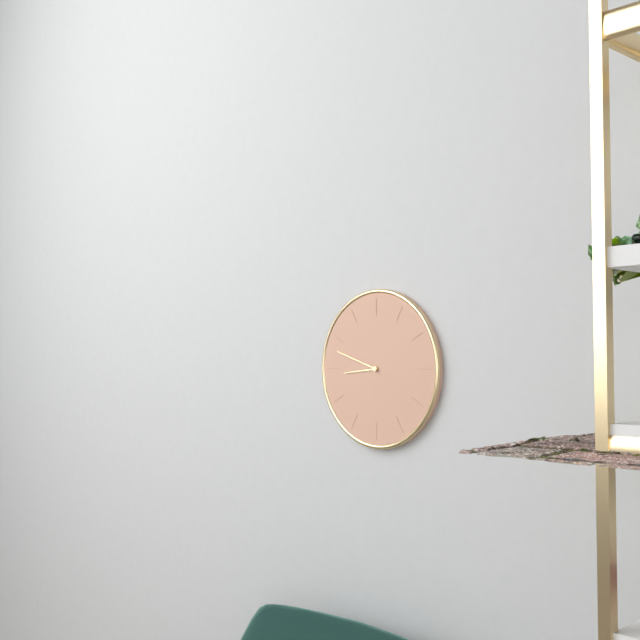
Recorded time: 8.48
